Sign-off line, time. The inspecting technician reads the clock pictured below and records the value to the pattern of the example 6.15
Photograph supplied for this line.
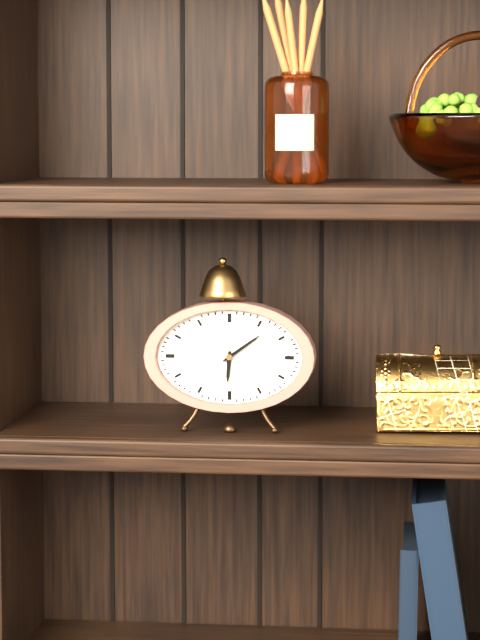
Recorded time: 6.09
